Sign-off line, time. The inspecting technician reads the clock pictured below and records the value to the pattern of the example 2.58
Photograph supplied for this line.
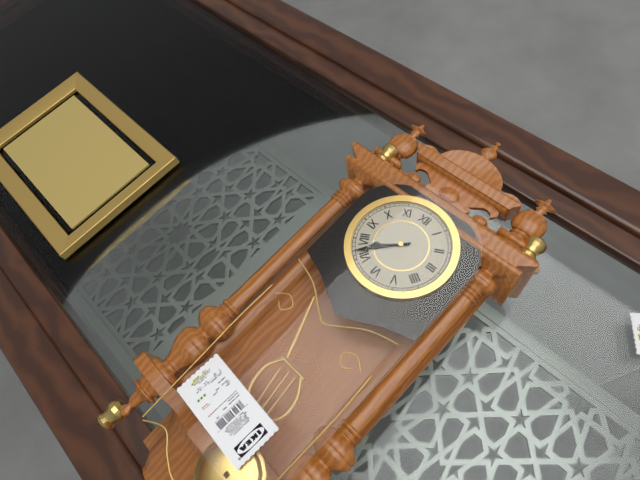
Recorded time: 7.37
